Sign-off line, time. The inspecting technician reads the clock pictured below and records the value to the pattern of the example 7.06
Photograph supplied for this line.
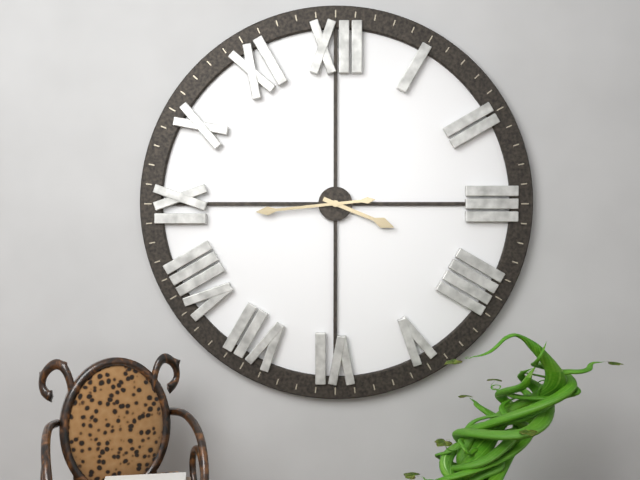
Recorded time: 3.44
